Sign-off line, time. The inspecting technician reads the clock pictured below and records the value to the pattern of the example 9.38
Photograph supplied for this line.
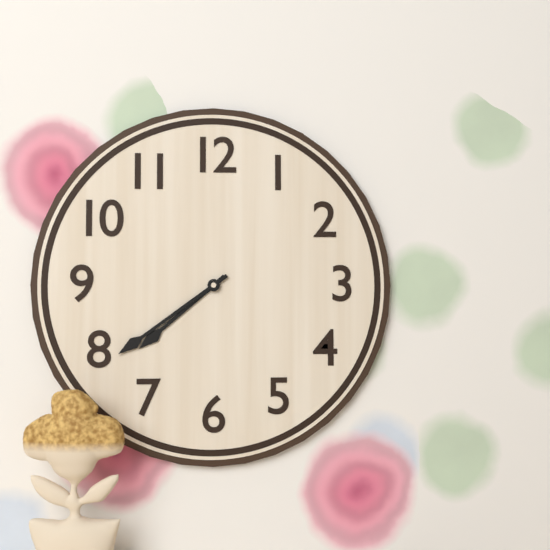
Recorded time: 7.39
